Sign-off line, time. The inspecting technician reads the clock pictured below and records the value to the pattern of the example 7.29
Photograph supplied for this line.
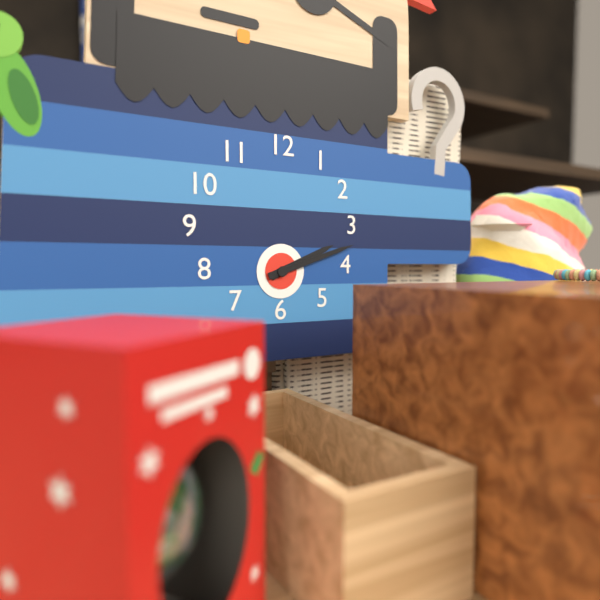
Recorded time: 2.12
